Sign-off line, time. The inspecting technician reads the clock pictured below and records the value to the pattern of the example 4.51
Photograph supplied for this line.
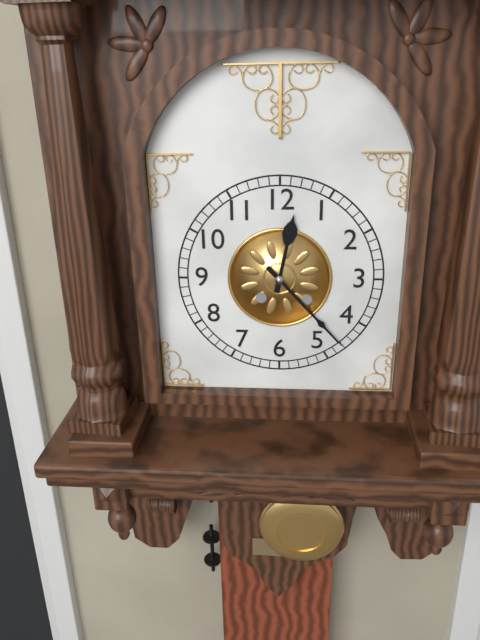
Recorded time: 12.23
